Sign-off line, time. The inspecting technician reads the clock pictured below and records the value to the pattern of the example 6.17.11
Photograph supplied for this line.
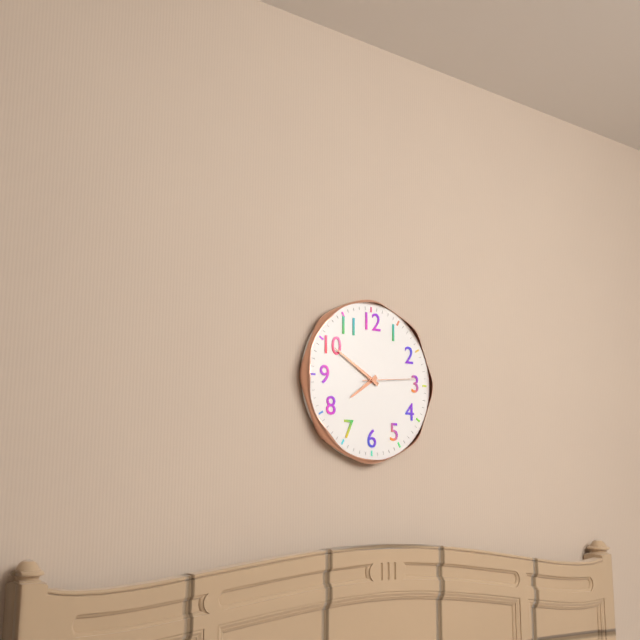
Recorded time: 7.50.14
